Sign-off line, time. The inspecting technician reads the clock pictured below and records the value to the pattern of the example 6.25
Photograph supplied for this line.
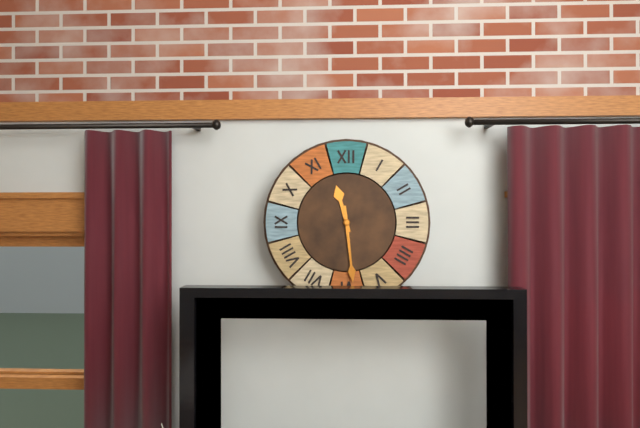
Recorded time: 11.29
